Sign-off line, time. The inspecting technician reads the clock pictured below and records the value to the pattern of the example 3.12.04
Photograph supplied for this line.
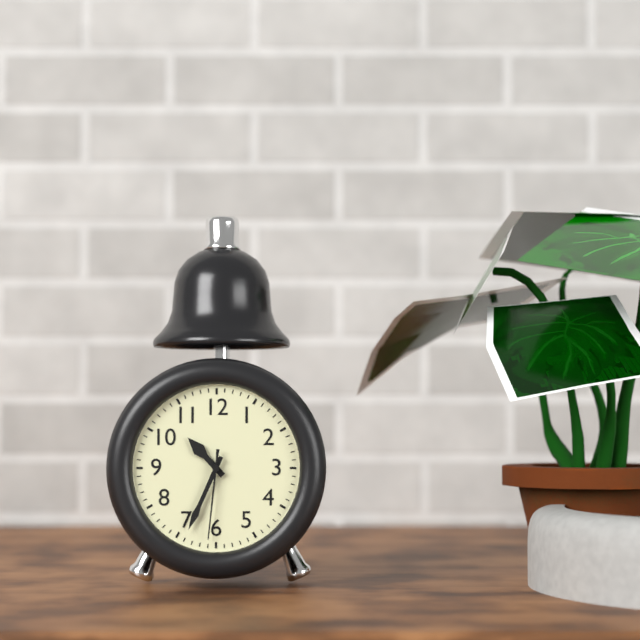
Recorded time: 10.34.31
